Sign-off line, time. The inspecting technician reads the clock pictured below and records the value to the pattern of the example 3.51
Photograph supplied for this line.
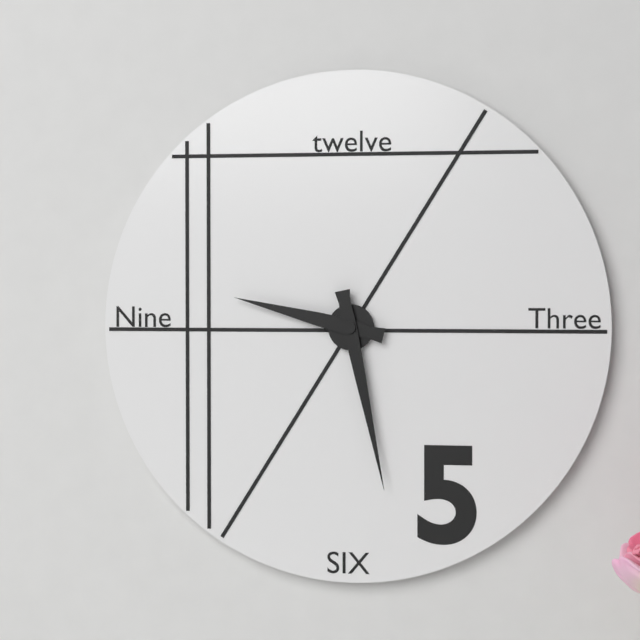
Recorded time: 9.28
